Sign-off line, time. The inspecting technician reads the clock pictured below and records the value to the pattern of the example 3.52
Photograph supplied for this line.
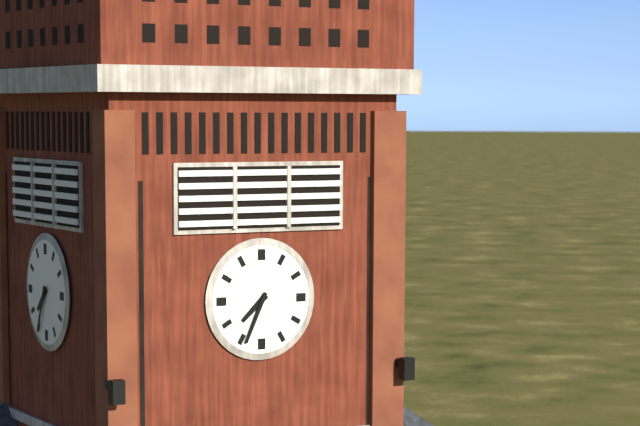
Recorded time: 7.34
